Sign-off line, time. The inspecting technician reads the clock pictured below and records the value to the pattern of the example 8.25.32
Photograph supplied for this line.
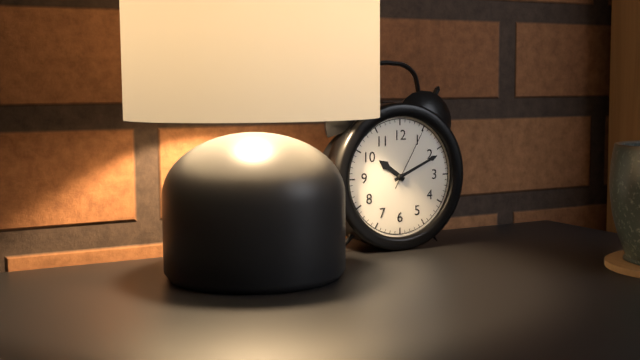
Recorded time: 10.11.05
